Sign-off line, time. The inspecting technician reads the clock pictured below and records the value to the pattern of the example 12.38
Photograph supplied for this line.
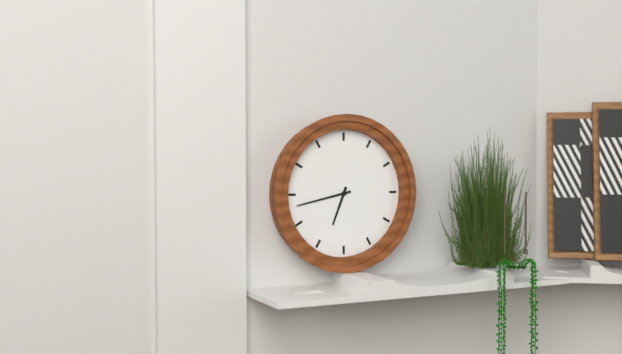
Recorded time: 6.43
